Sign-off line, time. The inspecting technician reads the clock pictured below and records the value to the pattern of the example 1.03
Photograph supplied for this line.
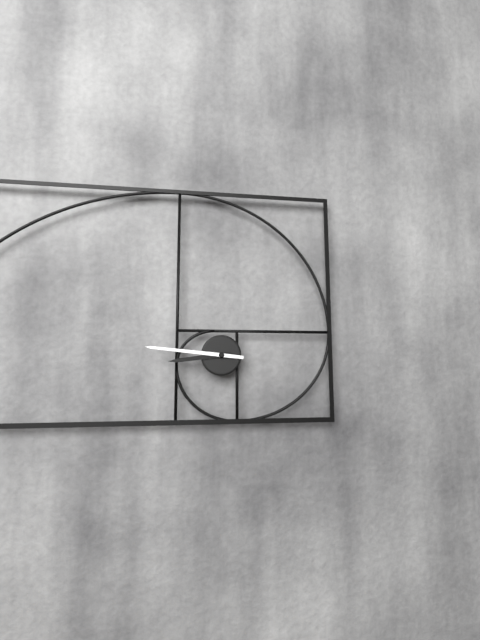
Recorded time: 8.46
